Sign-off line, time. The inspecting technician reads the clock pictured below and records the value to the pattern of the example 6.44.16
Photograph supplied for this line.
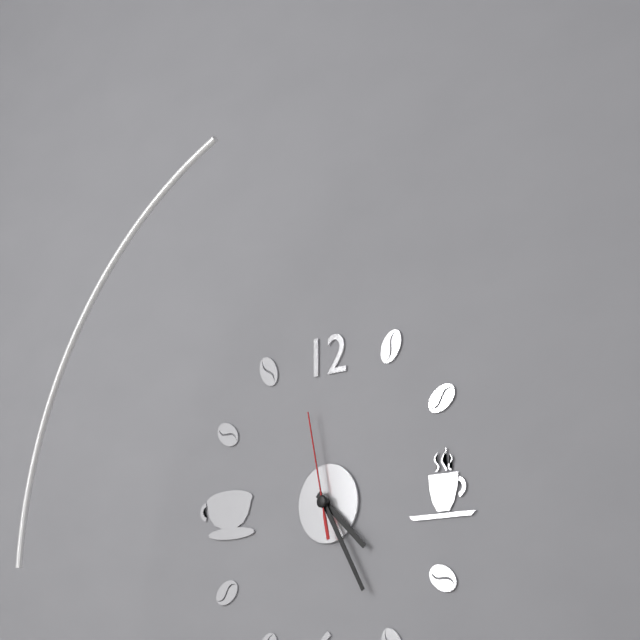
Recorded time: 4.25.58
